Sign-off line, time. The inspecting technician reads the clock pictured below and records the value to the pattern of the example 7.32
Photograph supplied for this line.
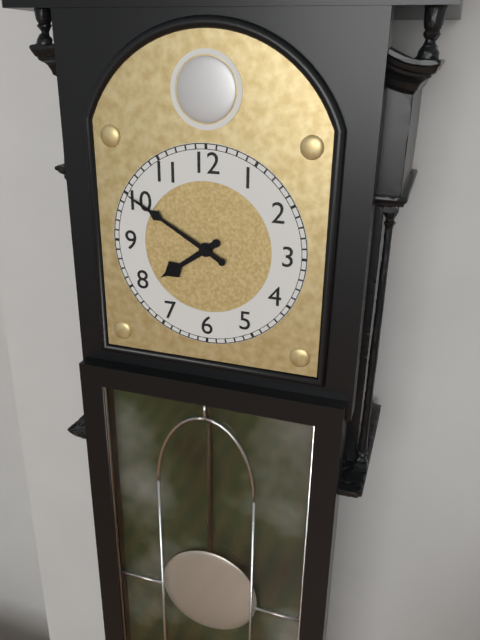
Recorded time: 7.50
